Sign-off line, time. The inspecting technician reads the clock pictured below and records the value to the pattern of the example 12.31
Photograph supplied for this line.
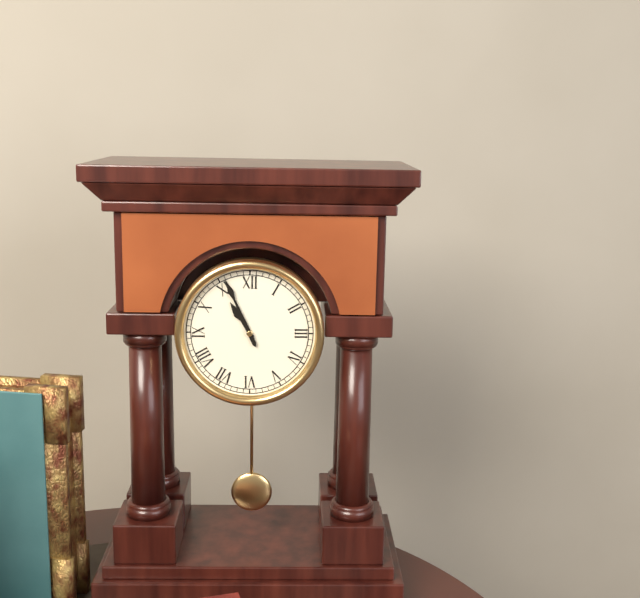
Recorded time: 10.56
